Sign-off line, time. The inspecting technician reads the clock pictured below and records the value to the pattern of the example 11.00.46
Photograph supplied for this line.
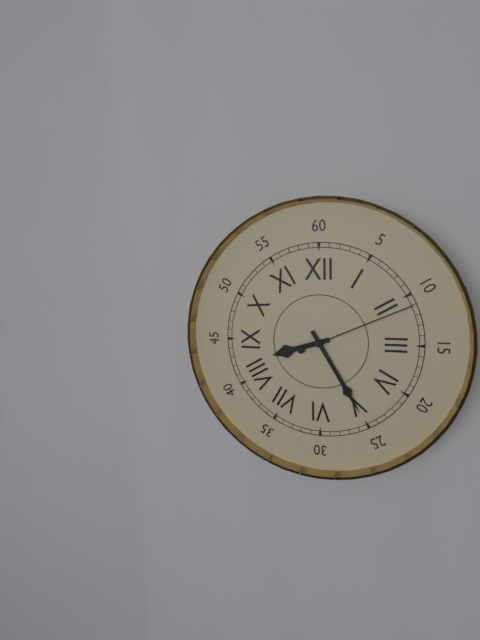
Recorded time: 8.25.11
